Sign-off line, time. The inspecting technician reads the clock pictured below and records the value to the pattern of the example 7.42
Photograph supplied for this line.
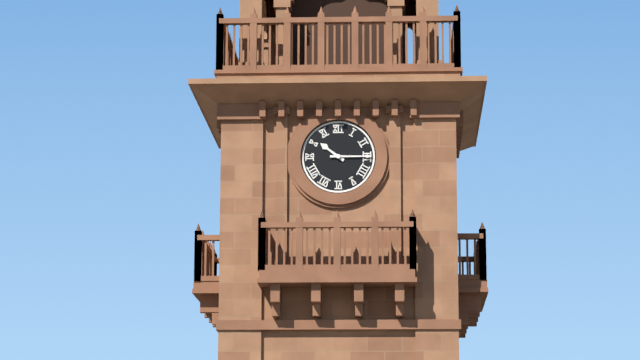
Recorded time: 10.15
